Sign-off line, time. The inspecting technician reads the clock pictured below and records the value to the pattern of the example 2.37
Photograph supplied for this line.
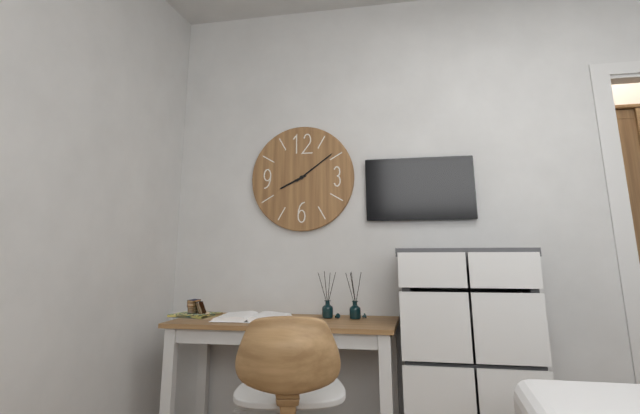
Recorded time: 8.09
